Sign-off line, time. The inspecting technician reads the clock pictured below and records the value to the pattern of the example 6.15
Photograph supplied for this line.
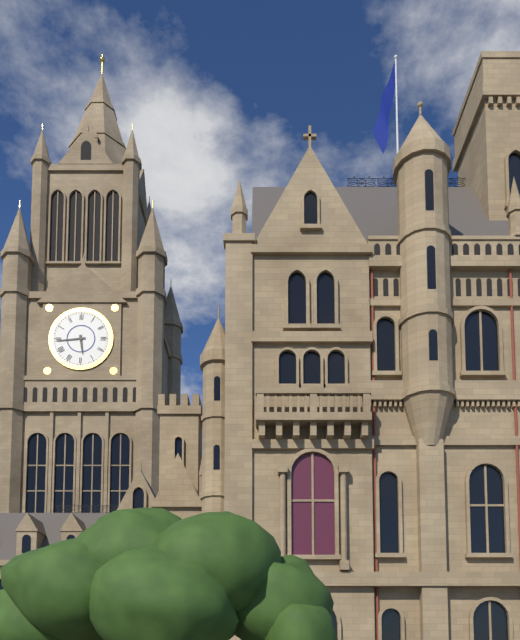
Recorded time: 5.44
